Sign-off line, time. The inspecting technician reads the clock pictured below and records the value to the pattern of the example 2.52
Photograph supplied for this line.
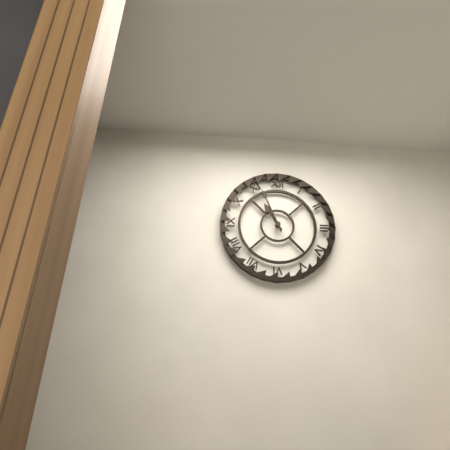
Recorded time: 10.56
